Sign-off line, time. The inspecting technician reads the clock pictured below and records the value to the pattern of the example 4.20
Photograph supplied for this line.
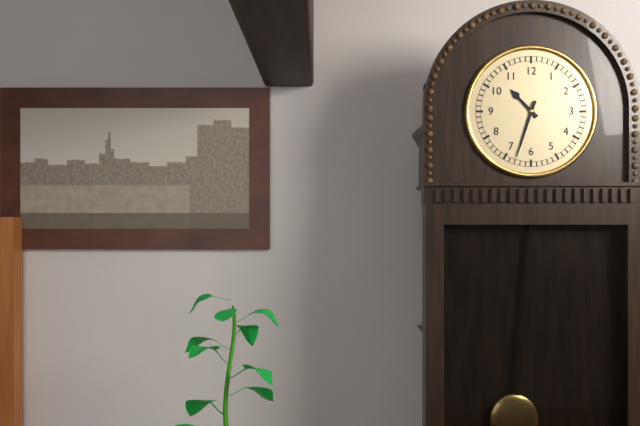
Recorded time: 10.33
